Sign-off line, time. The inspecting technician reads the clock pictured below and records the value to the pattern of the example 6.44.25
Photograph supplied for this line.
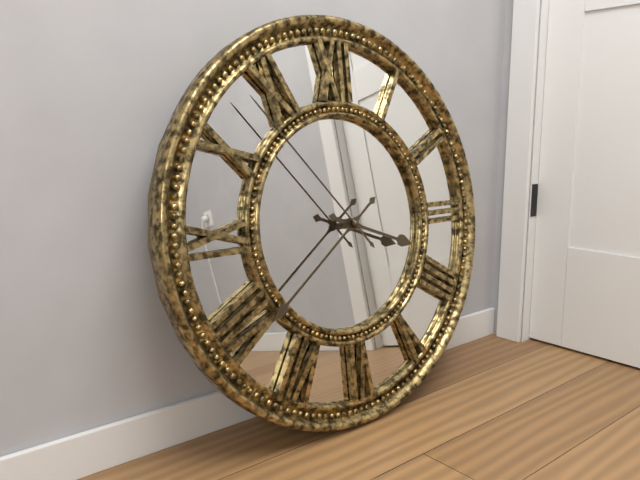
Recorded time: 3.39.53
